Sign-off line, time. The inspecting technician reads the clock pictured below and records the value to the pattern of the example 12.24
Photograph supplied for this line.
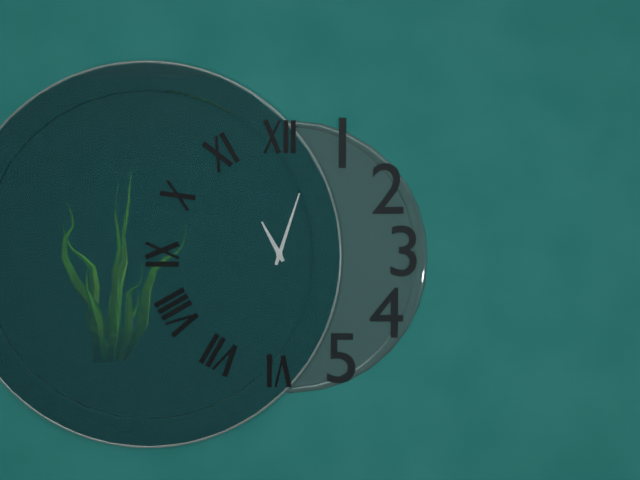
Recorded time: 11.03
